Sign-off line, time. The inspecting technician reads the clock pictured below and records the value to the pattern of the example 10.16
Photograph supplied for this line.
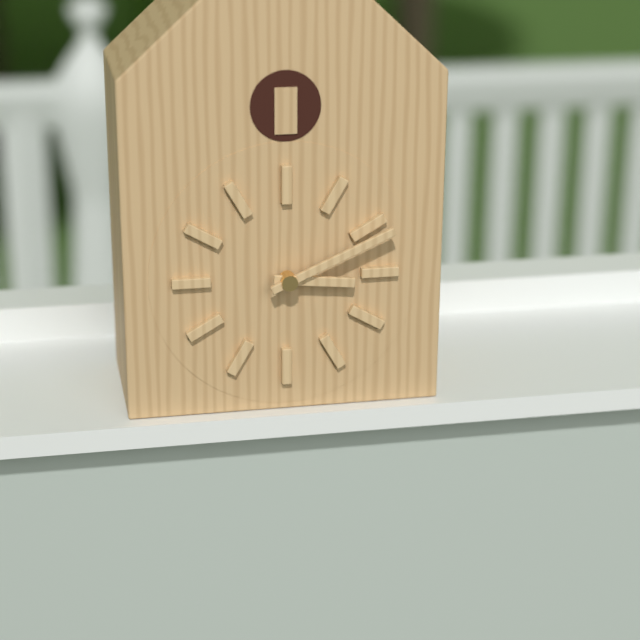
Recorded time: 3.11
